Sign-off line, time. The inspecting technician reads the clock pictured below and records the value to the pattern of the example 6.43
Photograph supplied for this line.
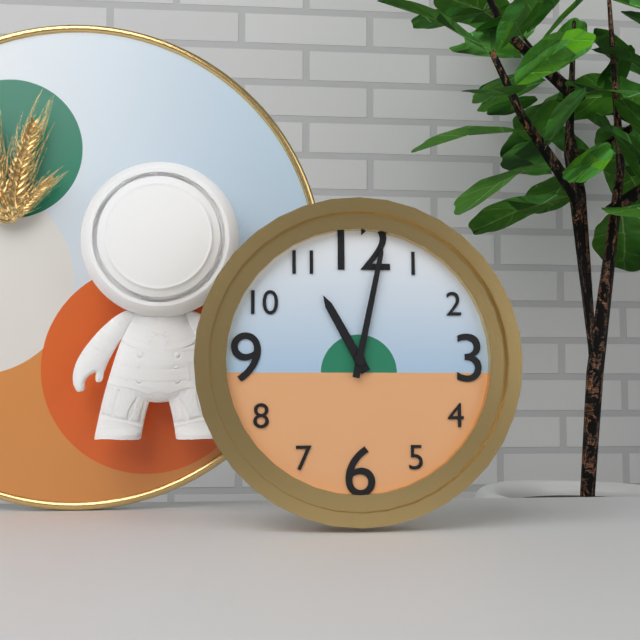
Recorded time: 11.02
